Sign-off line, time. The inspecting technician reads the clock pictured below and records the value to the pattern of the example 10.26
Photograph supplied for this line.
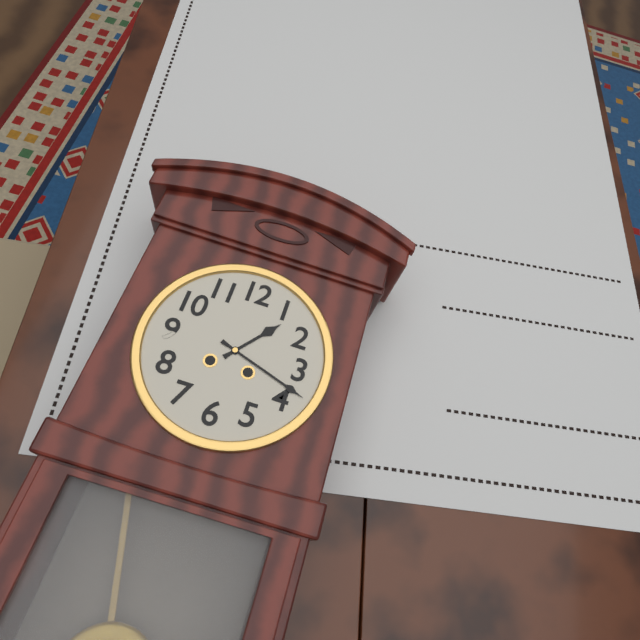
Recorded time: 1.18
